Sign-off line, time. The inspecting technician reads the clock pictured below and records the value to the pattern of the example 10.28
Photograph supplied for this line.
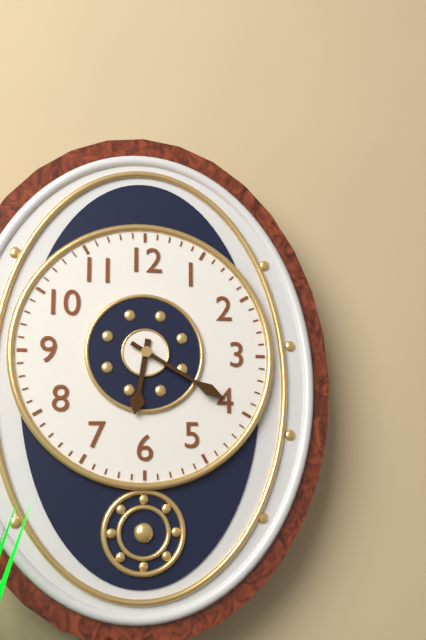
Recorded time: 6.20
